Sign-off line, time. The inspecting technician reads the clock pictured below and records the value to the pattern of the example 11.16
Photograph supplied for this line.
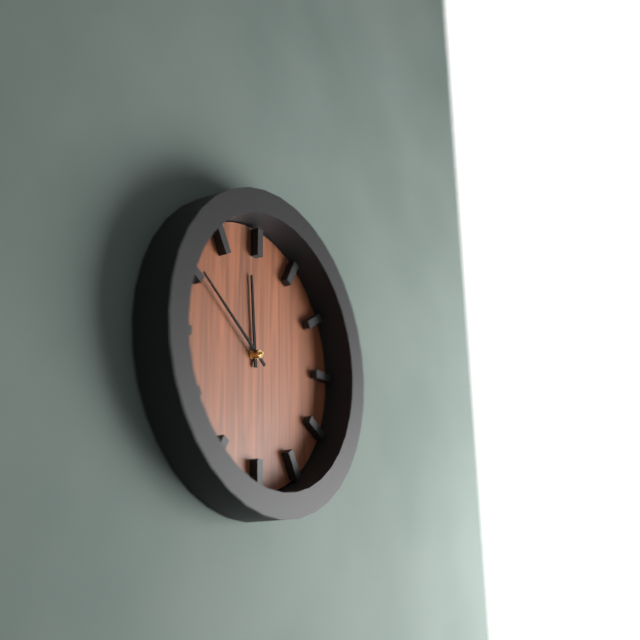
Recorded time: 11.51
